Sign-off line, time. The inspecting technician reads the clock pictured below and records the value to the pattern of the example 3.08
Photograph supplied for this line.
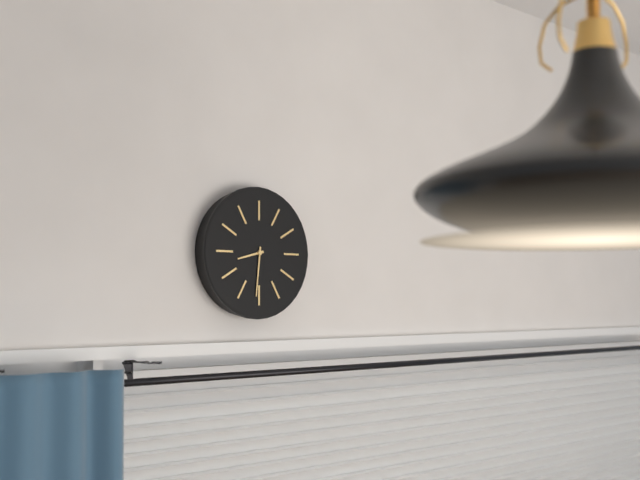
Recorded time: 8.31
